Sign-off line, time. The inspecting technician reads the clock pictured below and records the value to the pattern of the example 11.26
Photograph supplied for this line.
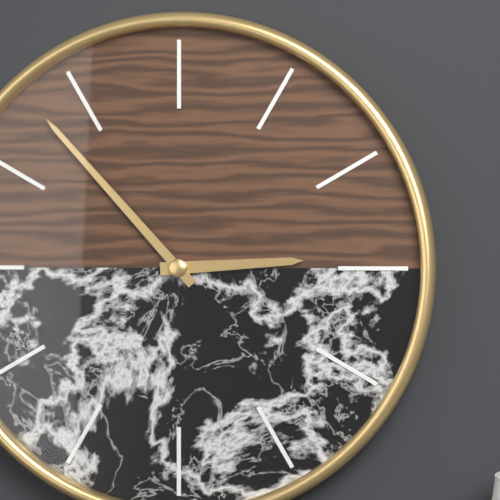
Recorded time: 2.53
